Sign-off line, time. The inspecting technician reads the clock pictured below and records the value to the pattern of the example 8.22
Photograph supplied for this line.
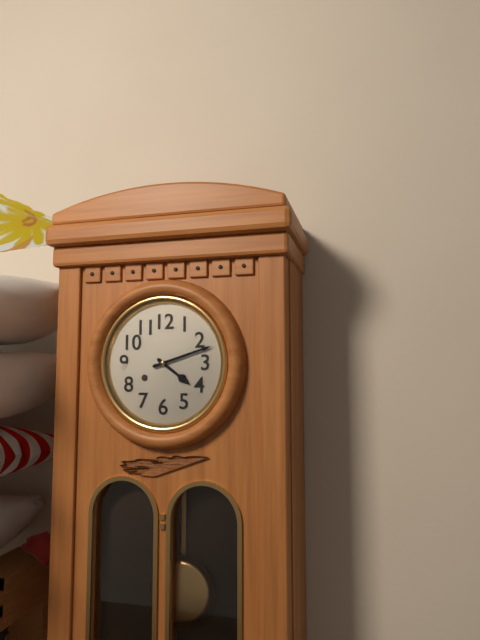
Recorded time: 4.12
